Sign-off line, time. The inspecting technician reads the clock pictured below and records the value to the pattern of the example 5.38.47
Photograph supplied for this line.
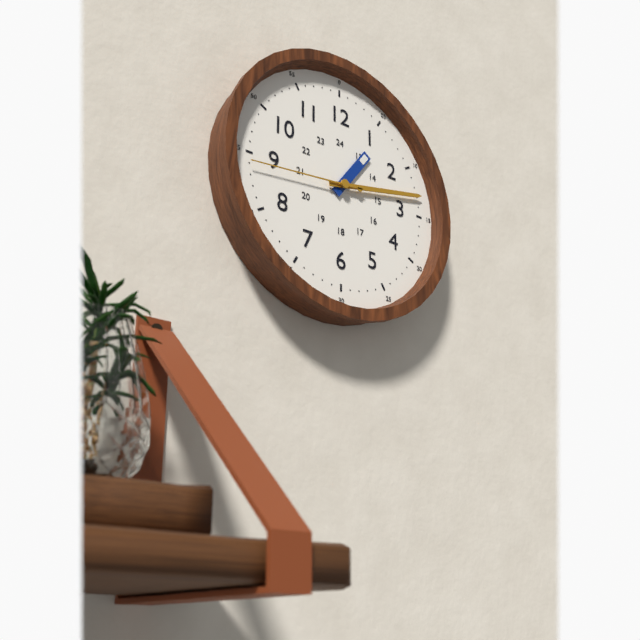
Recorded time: 1.13.44
